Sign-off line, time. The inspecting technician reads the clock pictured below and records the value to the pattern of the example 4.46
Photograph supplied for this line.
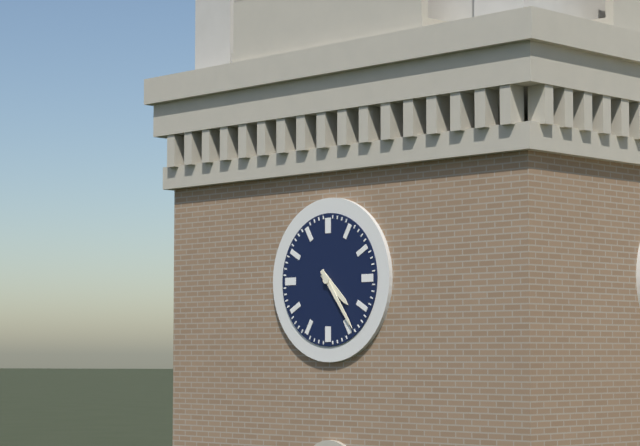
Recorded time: 4.24
